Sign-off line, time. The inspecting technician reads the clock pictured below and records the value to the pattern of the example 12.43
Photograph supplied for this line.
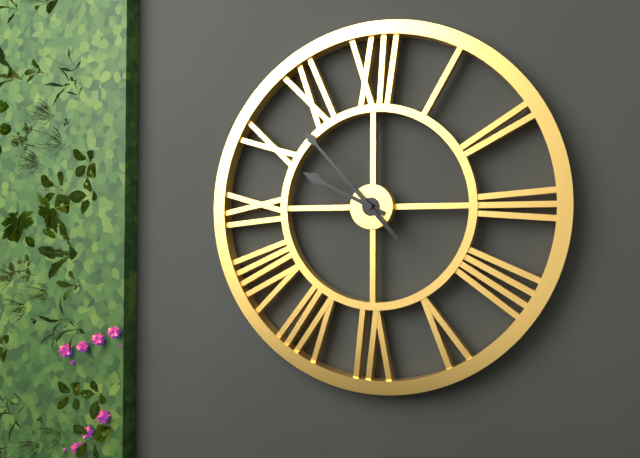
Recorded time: 9.53
